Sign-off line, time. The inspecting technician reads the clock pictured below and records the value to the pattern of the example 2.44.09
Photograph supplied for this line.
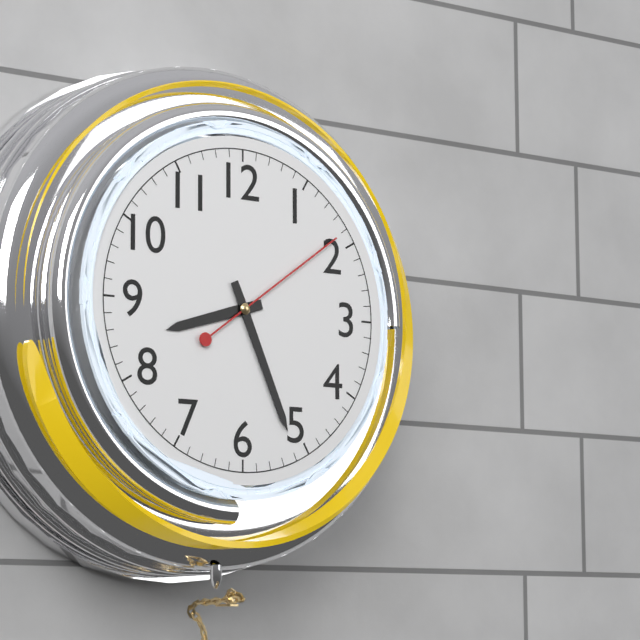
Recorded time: 8.26.09
